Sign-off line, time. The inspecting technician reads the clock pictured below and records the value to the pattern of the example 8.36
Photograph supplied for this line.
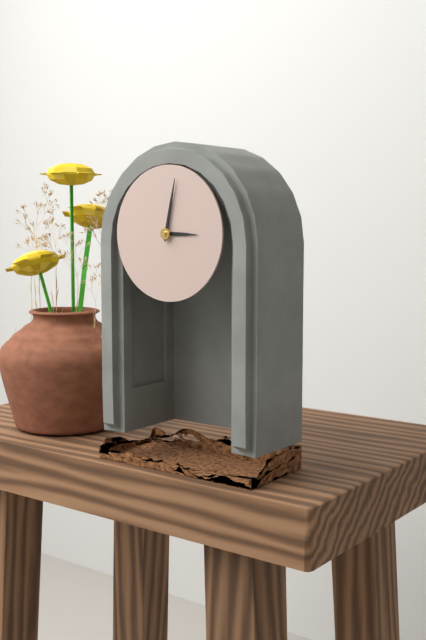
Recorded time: 3.02
